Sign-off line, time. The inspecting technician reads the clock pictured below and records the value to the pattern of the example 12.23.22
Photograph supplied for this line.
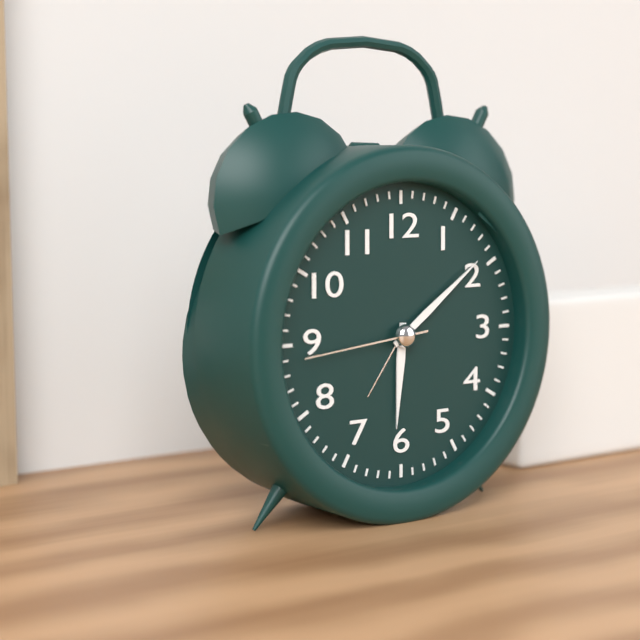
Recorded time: 6.09.44
